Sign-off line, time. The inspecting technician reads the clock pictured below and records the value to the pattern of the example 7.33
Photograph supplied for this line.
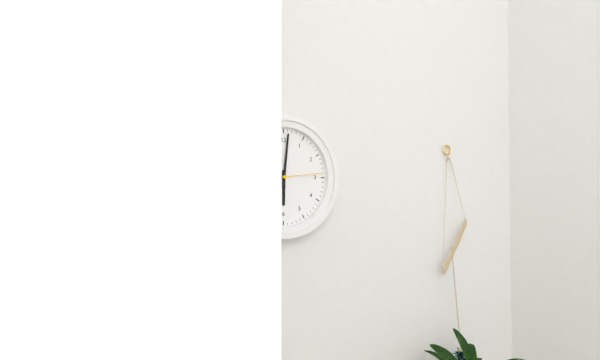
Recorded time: 6.01
